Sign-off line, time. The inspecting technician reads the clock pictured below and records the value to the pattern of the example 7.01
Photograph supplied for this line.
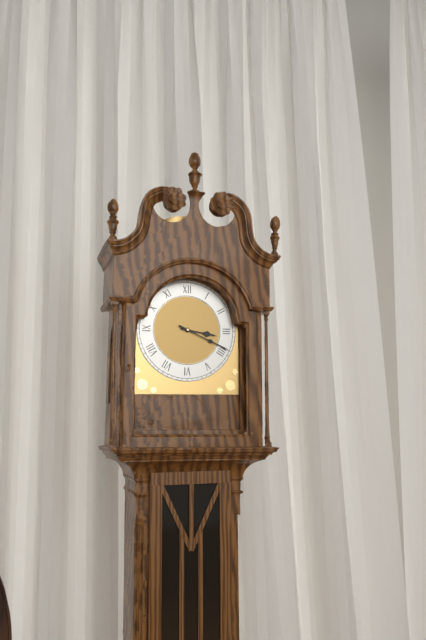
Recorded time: 3.19
